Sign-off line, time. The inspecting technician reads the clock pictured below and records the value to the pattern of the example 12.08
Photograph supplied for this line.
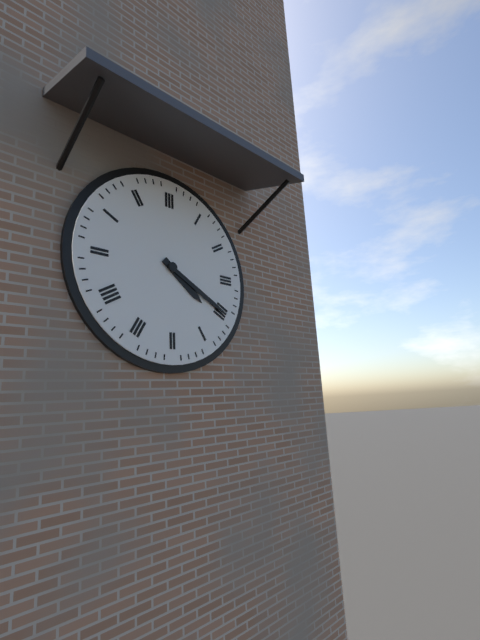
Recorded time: 4.20
